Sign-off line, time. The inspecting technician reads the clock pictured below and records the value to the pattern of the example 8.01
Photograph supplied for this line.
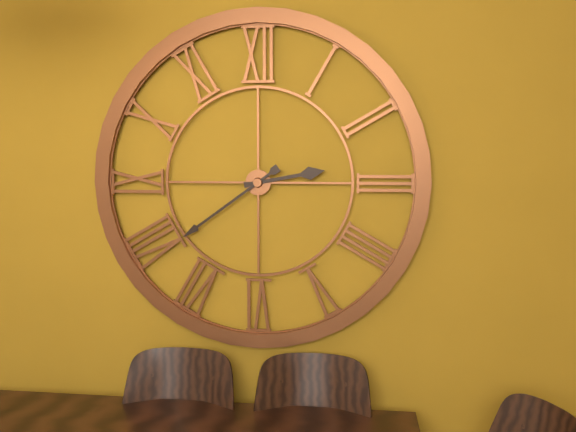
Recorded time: 2.39
